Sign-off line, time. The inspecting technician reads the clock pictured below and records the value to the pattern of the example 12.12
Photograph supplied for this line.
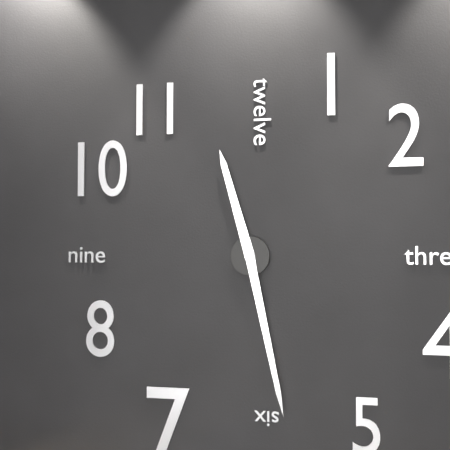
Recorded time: 11.28
